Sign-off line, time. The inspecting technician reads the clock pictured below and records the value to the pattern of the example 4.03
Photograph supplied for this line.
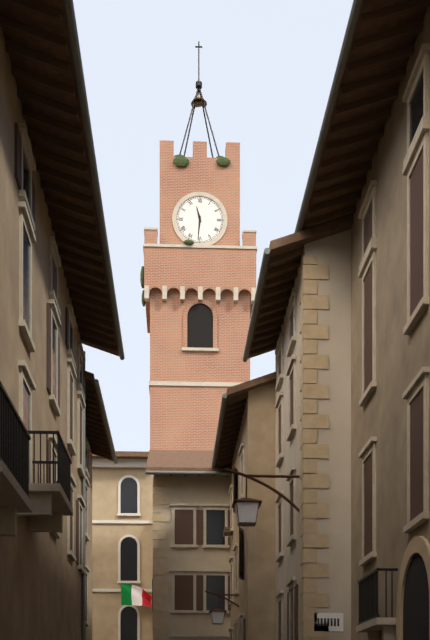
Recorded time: 11.31
